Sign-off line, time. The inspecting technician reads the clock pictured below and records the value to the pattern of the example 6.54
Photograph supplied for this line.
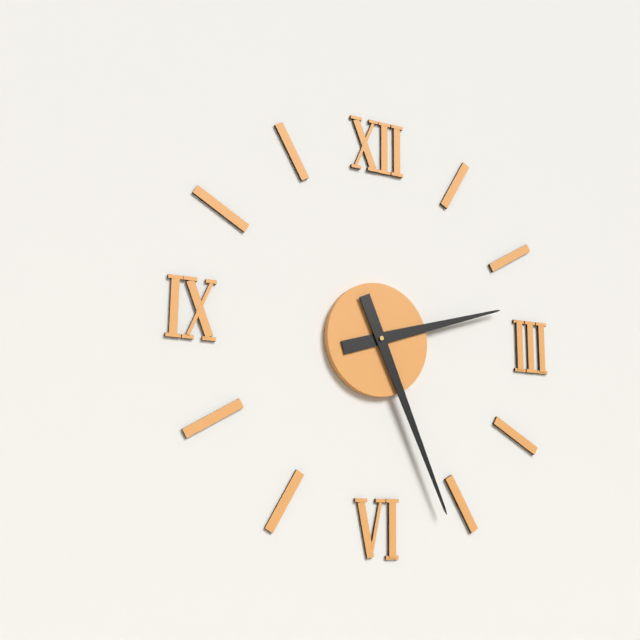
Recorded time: 2.26
